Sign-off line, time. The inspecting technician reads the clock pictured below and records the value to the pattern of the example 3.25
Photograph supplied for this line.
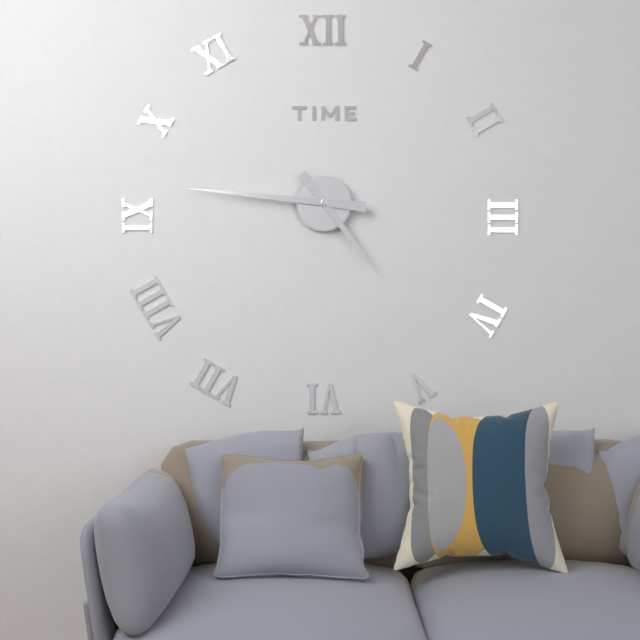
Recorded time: 4.46
